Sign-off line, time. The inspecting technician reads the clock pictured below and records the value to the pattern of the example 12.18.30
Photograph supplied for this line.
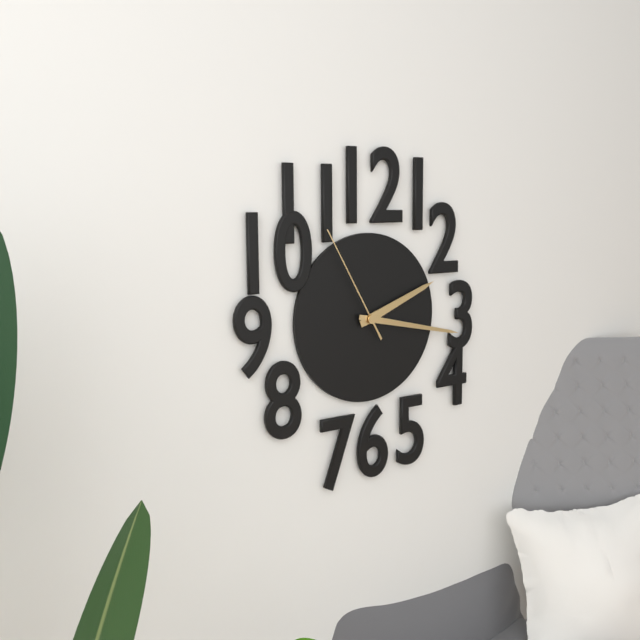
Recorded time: 2.17.55
